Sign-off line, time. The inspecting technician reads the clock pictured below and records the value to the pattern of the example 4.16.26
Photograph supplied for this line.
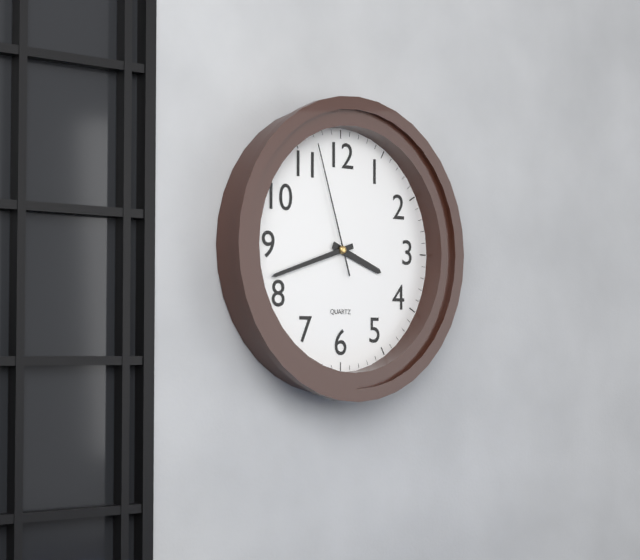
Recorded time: 3.42.57
